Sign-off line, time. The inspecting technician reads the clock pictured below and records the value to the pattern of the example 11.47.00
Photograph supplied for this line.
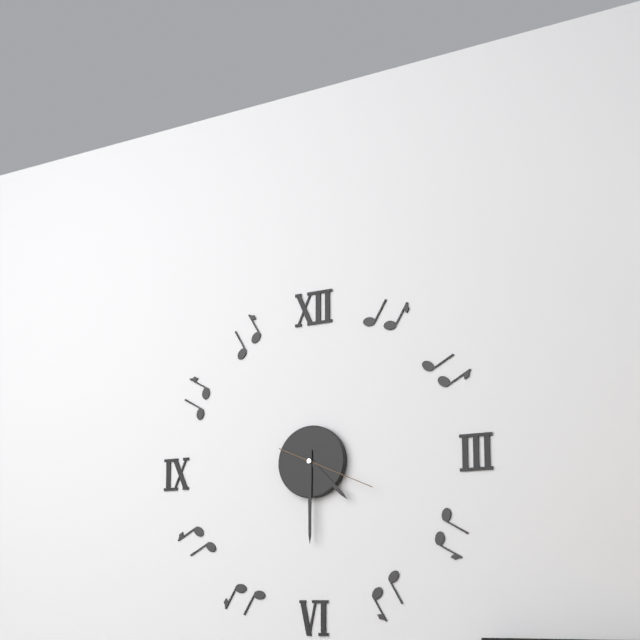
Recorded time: 4.30.19
